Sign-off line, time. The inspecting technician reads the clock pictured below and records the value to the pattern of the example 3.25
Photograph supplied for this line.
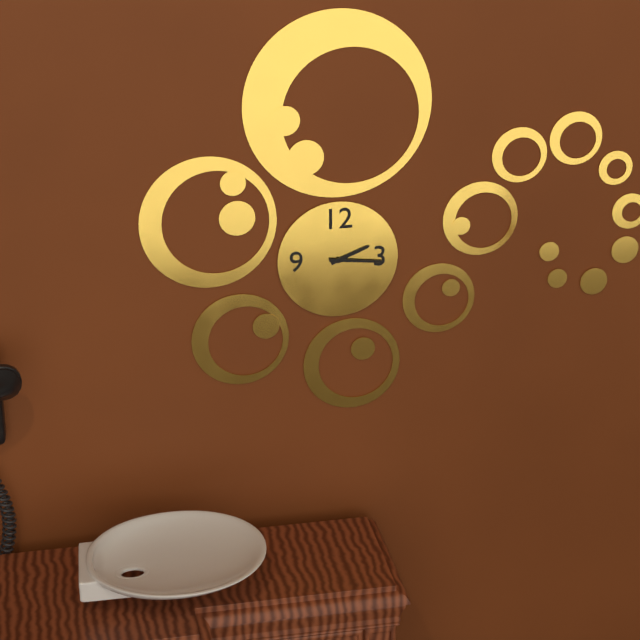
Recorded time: 2.16
